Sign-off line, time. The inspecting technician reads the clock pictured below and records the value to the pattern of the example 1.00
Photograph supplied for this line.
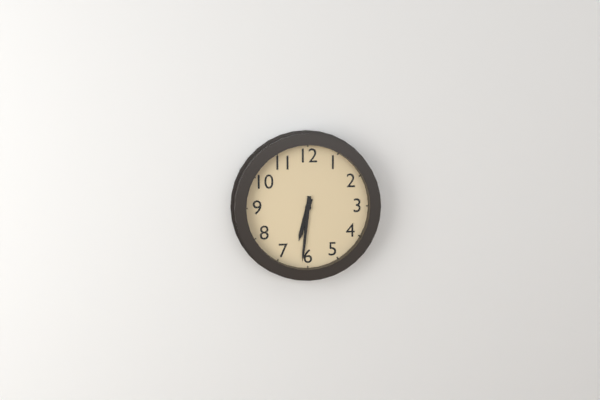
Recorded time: 6.31
